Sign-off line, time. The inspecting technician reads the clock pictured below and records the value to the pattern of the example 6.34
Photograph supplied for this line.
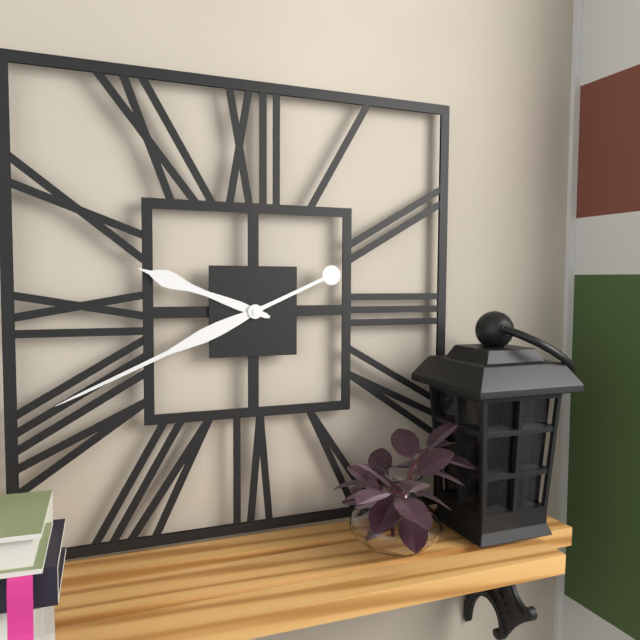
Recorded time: 9.41
